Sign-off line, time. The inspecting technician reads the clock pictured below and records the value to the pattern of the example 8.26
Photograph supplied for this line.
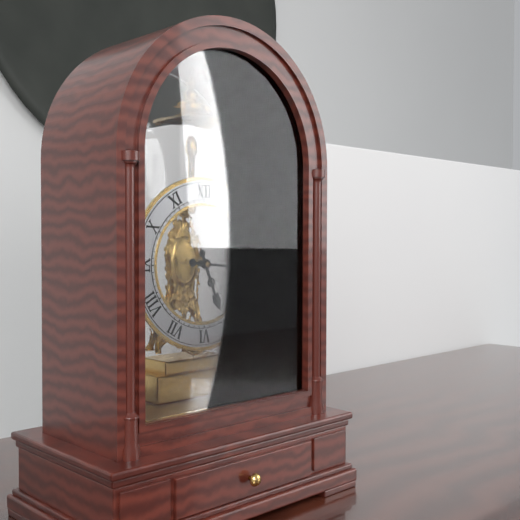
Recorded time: 5.16
